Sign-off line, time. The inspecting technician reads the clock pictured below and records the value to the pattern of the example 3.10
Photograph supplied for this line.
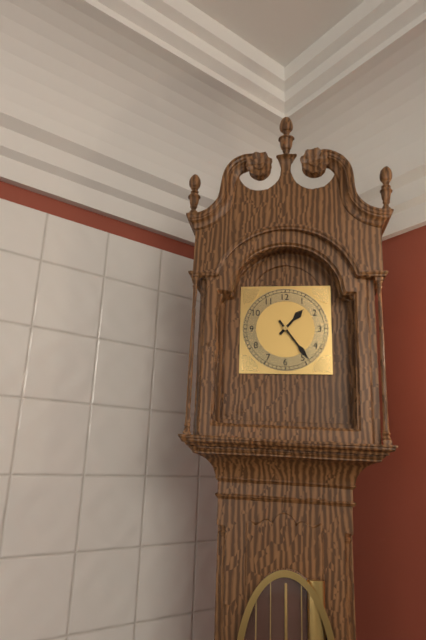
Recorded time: 1.24
